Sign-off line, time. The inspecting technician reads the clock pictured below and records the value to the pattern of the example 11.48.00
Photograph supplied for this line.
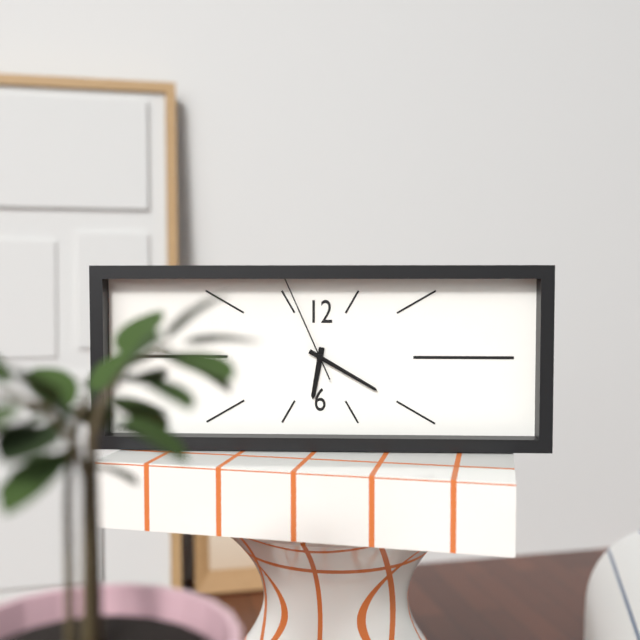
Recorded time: 6.20.56
